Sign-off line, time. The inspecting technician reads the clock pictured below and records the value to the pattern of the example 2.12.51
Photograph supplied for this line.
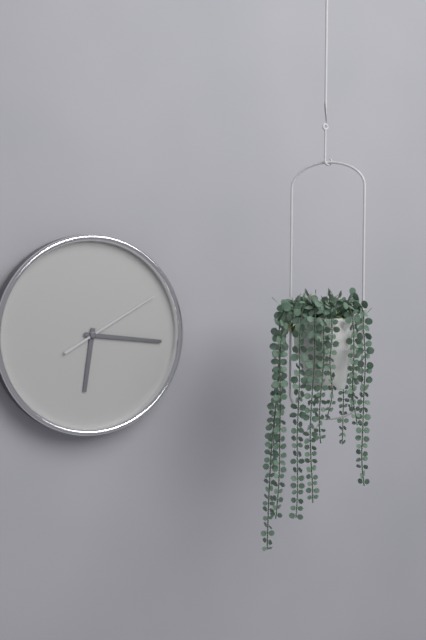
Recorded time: 6.16.10
